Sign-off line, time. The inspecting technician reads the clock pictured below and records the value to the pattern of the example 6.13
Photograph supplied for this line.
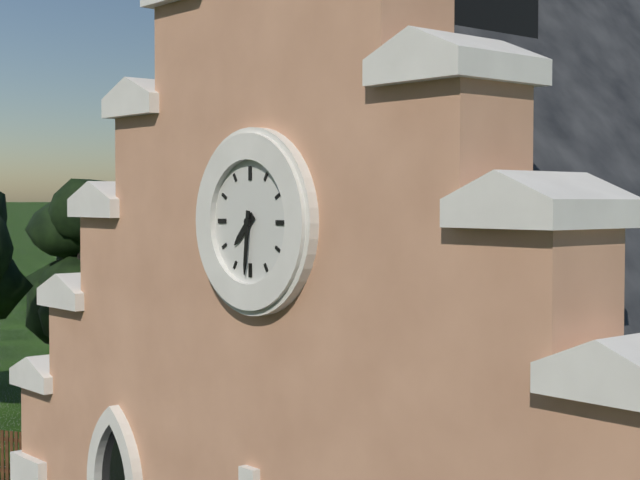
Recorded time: 7.31
